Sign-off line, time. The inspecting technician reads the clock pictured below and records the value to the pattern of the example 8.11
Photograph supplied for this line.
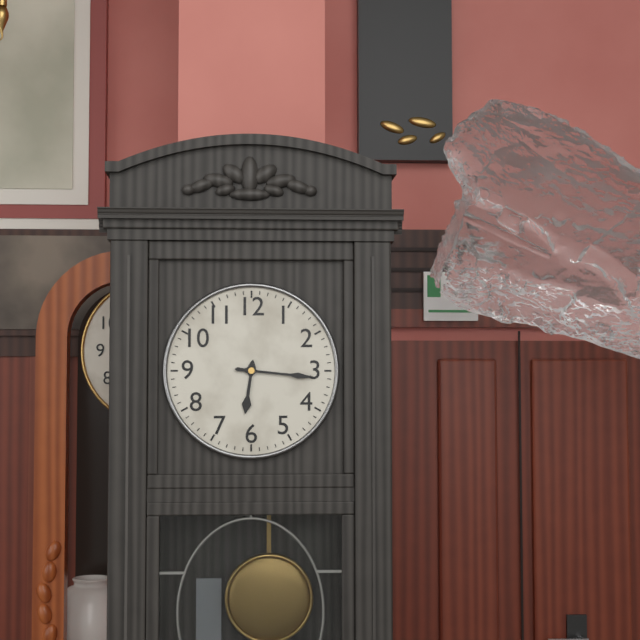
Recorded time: 6.16
